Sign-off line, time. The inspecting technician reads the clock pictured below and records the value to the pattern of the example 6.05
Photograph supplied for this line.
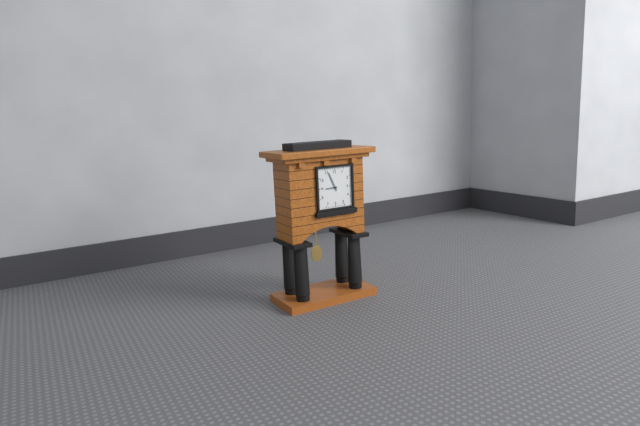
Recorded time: 8.56
